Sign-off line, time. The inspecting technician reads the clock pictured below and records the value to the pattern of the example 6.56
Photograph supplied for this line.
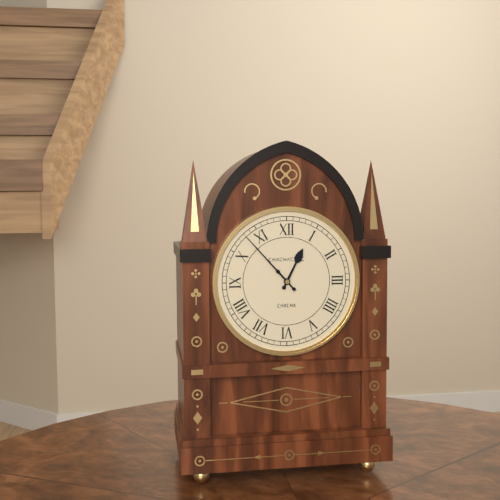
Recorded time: 12.53
